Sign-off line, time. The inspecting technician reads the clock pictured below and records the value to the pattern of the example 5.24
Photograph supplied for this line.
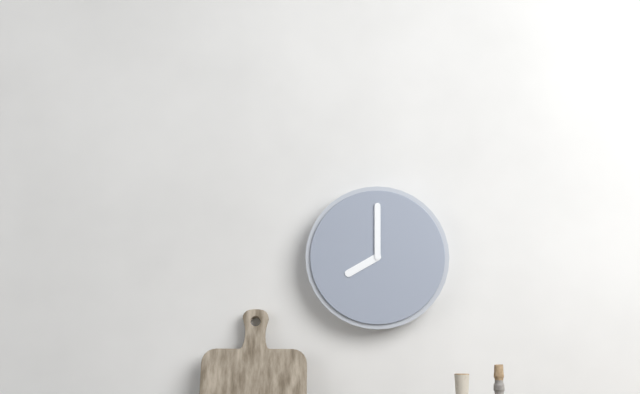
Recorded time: 8.00
